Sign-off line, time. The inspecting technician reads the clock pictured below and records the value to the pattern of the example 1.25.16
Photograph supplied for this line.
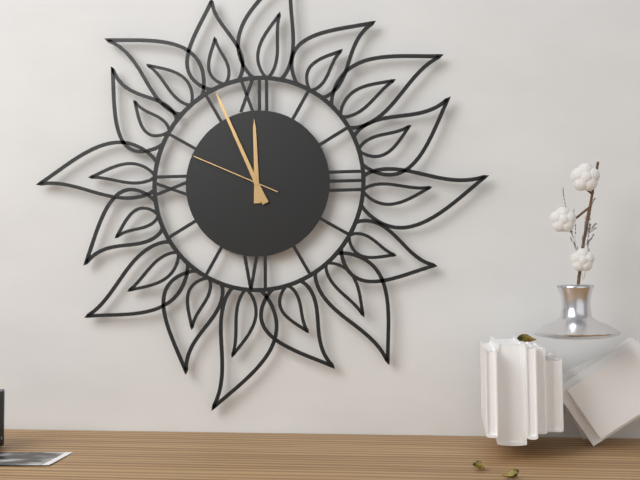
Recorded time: 11.56.49
